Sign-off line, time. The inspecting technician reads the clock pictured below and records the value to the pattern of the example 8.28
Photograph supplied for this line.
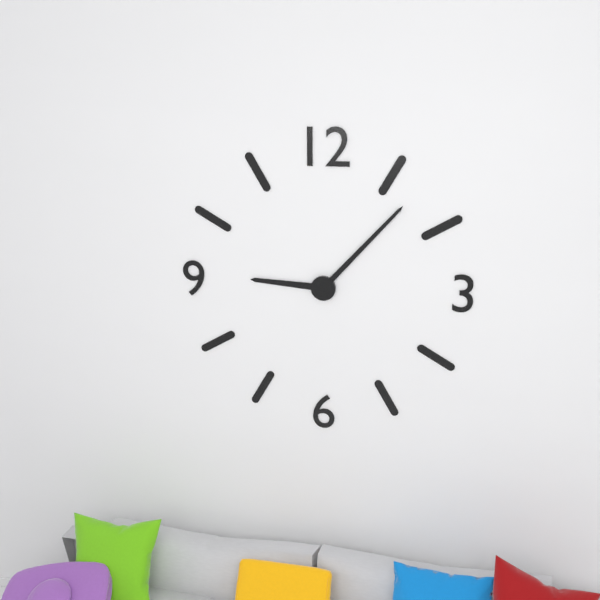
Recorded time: 9.07
